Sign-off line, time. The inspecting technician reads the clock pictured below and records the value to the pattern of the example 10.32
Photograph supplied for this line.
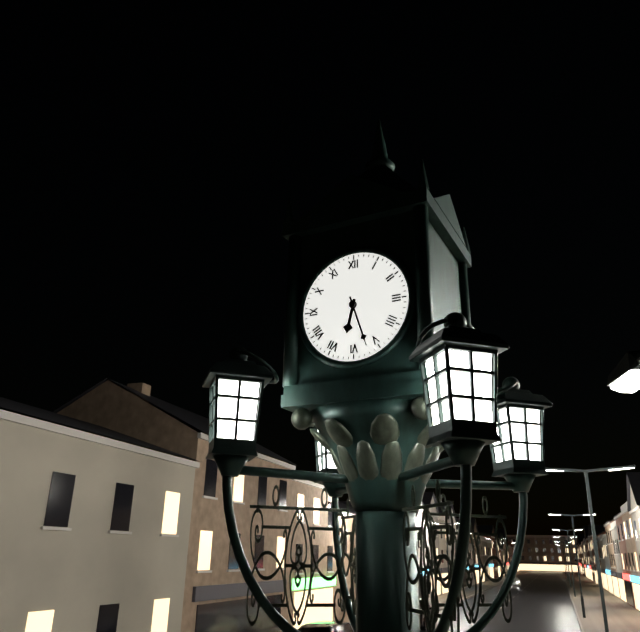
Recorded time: 6.27
